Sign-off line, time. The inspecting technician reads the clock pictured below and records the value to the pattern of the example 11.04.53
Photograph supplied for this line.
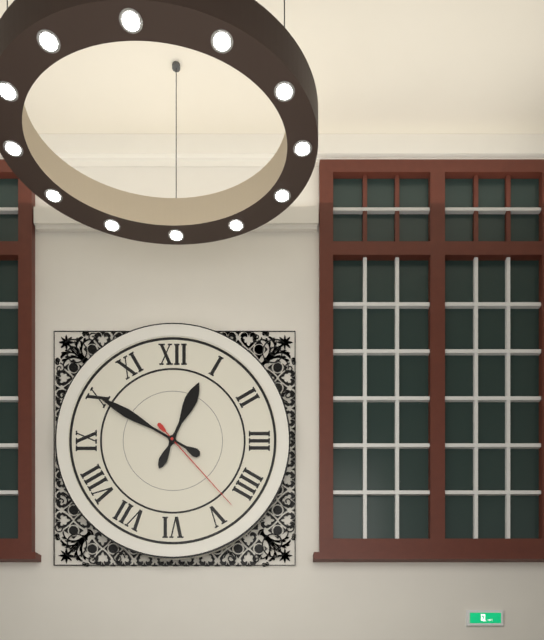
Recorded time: 12.50.23
